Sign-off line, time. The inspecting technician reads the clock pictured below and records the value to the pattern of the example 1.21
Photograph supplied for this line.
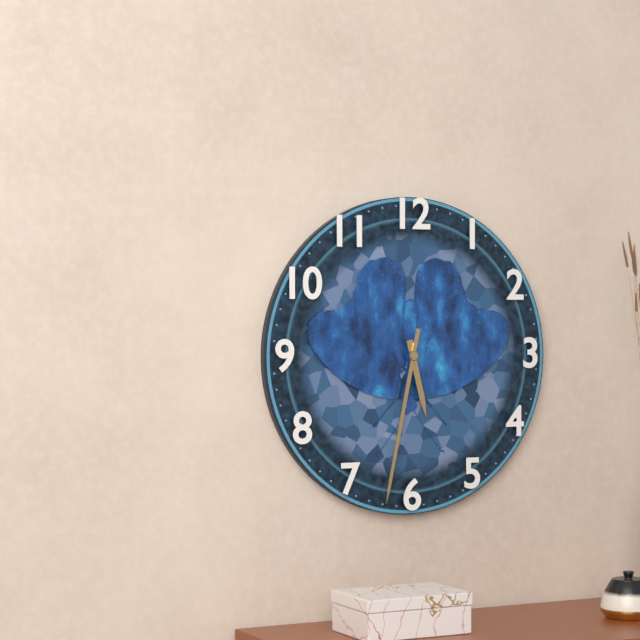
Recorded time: 5.32
